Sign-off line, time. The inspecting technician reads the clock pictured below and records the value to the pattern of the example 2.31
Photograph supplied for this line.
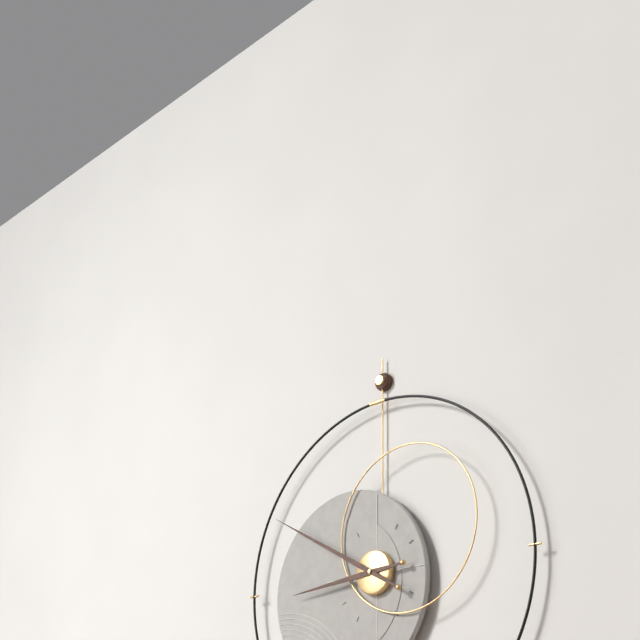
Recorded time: 8.50
